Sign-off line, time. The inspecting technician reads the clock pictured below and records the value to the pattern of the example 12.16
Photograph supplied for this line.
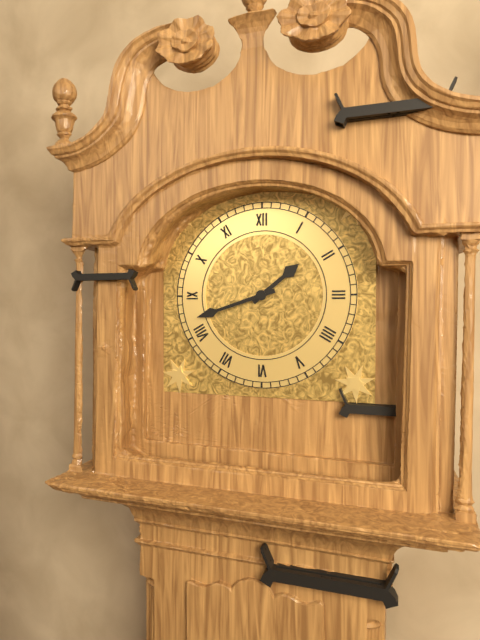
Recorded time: 1.42
